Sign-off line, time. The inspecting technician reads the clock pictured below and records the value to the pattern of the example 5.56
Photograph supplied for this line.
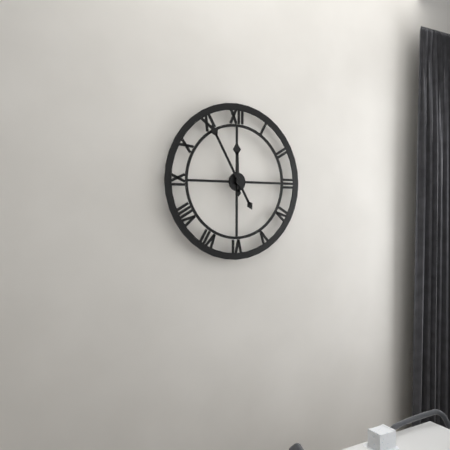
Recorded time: 11.55
